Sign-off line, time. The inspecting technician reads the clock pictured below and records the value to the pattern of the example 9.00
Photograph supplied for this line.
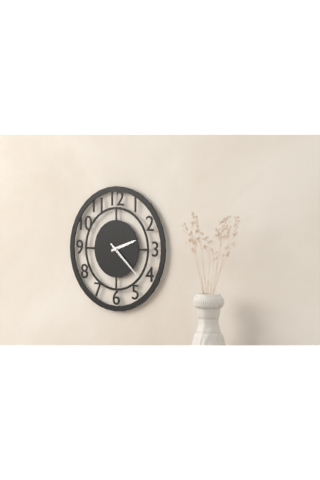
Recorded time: 2.22
